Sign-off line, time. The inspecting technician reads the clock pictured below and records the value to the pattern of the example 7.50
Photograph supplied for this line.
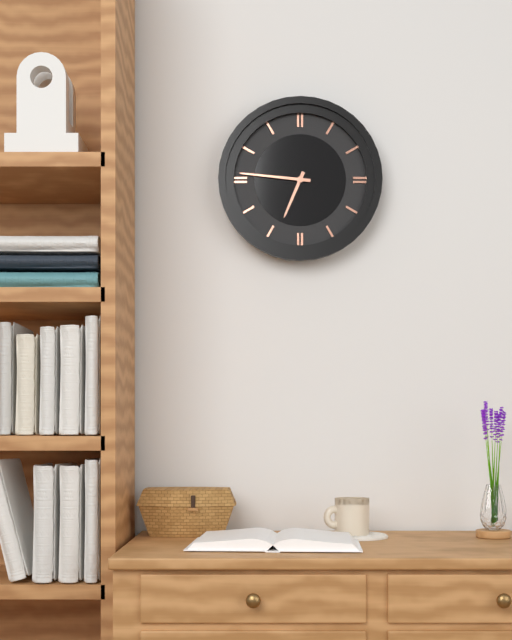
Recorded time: 6.46
